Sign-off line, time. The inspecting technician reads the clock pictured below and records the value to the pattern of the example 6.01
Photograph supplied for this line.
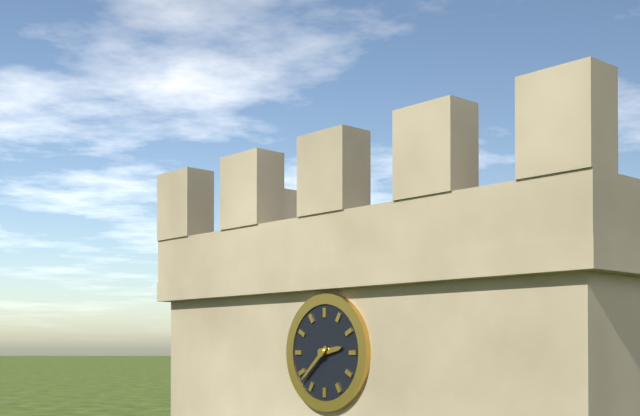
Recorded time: 2.38
